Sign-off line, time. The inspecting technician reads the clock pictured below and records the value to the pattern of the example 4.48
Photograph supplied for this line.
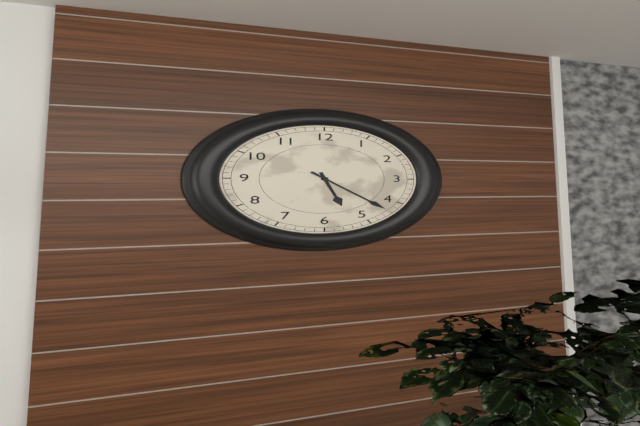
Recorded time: 5.22
